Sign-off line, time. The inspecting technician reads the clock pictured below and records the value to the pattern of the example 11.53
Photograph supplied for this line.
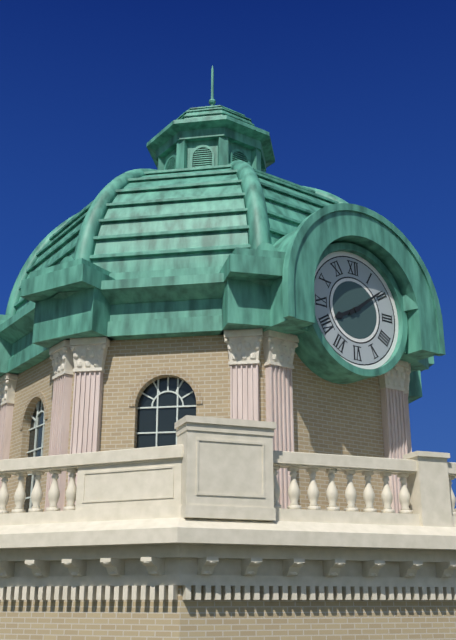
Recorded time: 8.09
